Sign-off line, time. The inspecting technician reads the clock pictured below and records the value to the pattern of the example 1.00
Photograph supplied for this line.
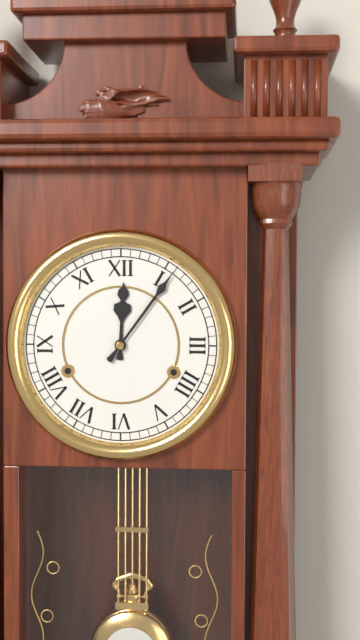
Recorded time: 12.06
